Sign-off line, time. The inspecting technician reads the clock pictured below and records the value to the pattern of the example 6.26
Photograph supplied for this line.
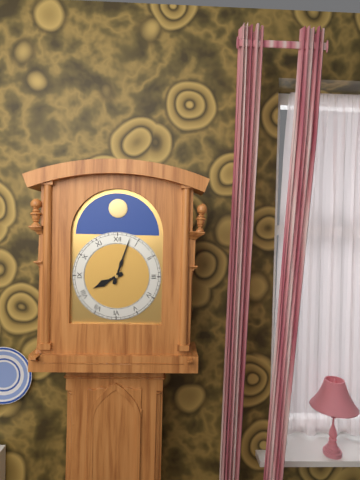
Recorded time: 8.03
